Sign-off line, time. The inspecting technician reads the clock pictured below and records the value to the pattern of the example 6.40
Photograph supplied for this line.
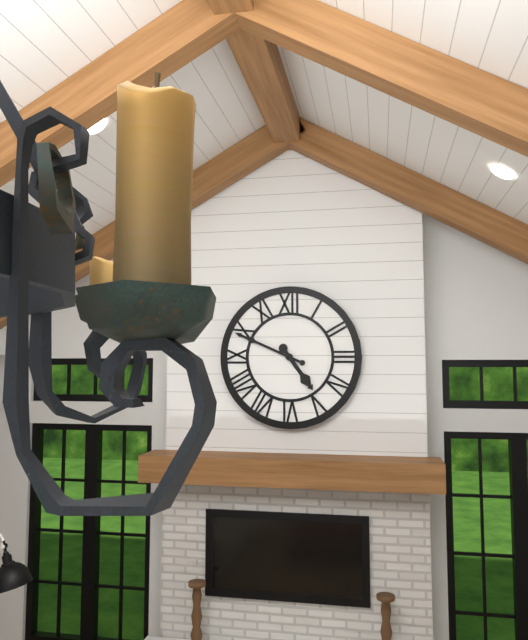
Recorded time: 4.49
